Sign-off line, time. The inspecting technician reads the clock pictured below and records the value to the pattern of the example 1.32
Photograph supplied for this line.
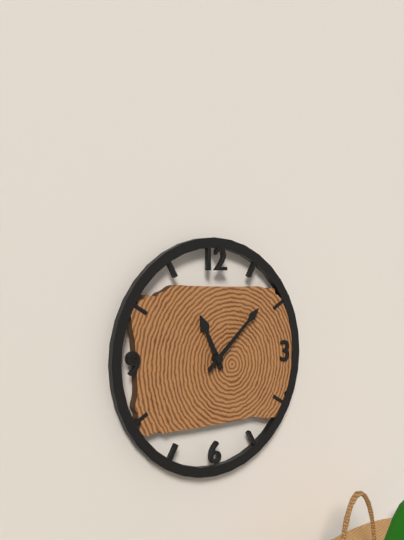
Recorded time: 11.08
